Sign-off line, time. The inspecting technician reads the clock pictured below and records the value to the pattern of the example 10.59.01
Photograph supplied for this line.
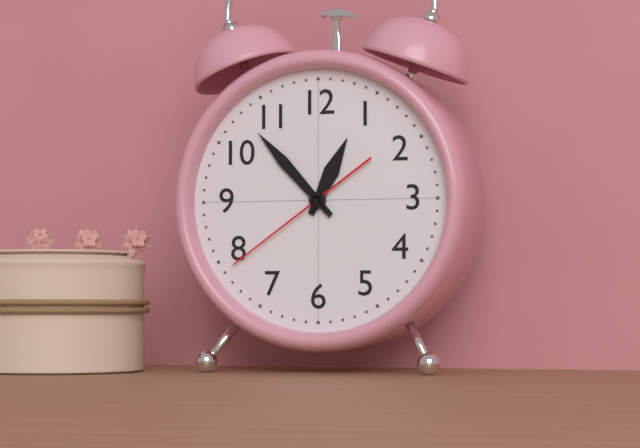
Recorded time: 12.53.39
